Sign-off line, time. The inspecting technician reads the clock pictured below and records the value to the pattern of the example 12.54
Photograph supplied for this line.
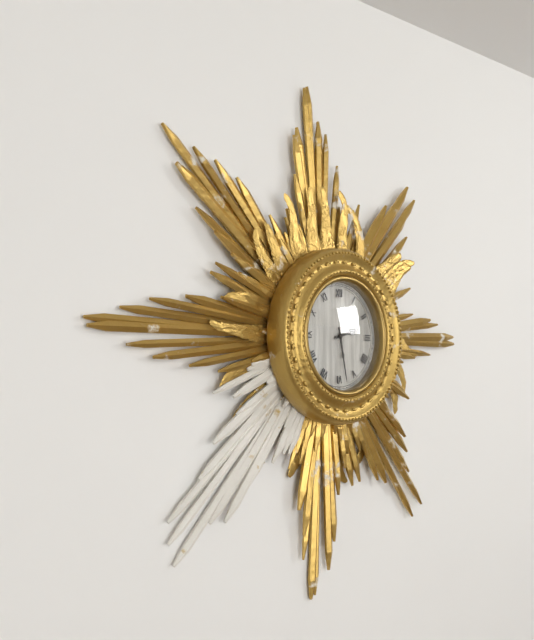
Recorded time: 2.28
